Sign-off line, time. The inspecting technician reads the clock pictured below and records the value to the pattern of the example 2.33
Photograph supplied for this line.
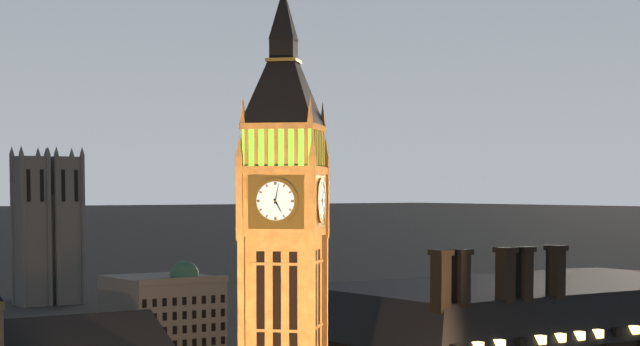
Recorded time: 5.02
